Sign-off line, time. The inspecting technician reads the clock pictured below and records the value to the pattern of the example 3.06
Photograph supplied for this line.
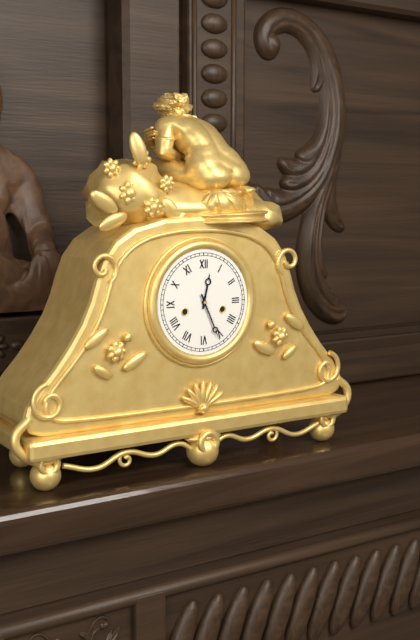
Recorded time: 12.26
